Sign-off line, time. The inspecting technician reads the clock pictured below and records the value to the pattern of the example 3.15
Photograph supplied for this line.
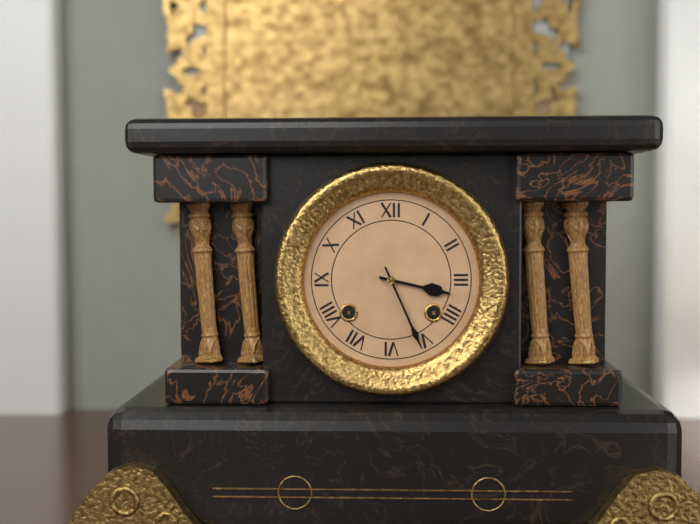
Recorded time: 3.26
